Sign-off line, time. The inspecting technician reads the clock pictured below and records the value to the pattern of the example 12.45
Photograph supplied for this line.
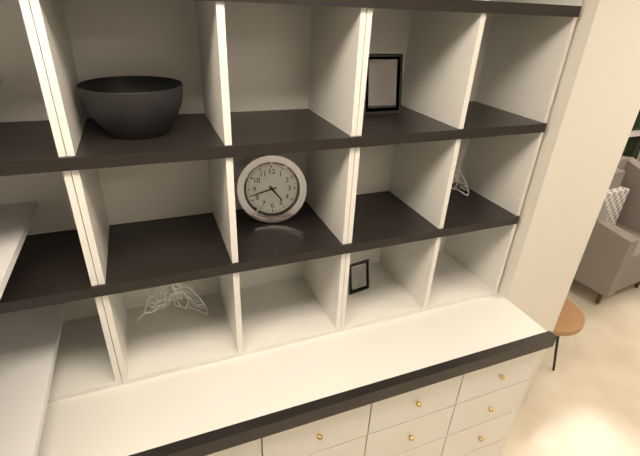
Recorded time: 4.42
